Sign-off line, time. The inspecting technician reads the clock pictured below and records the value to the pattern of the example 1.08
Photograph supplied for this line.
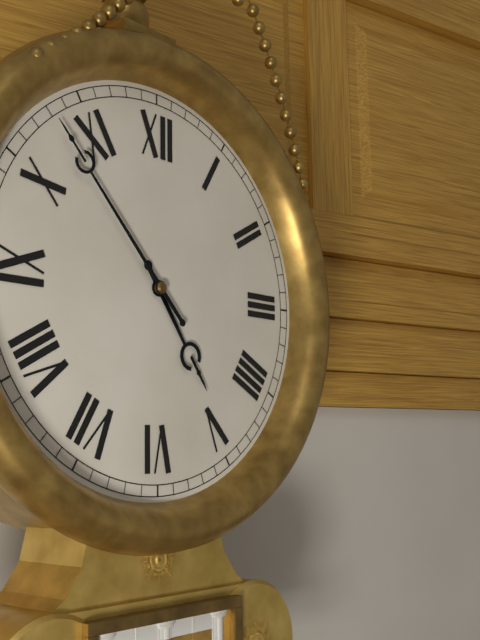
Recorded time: 4.53
